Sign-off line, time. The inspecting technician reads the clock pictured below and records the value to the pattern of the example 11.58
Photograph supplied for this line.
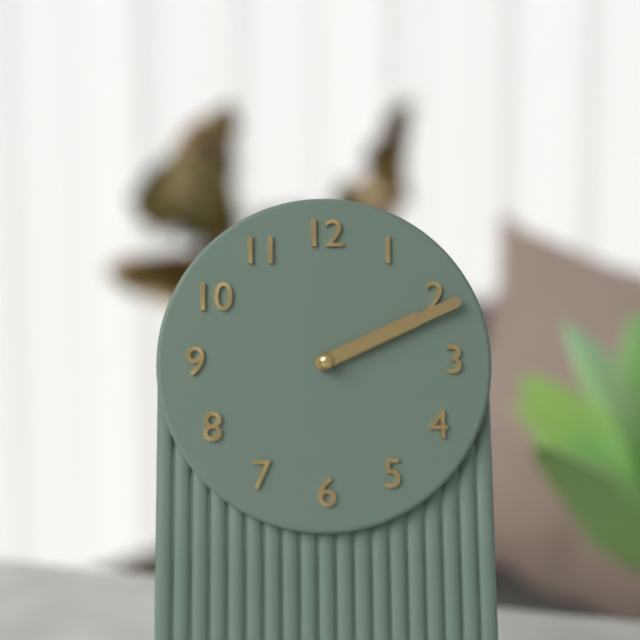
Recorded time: 2.11
